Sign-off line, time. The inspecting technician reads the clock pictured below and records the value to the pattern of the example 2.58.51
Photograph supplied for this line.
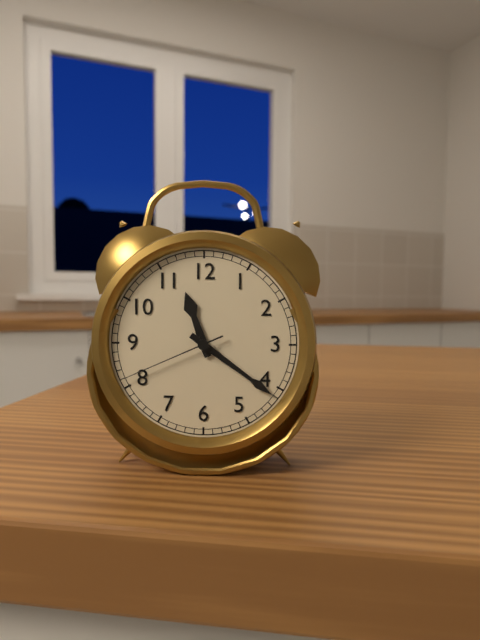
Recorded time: 11.21.41
